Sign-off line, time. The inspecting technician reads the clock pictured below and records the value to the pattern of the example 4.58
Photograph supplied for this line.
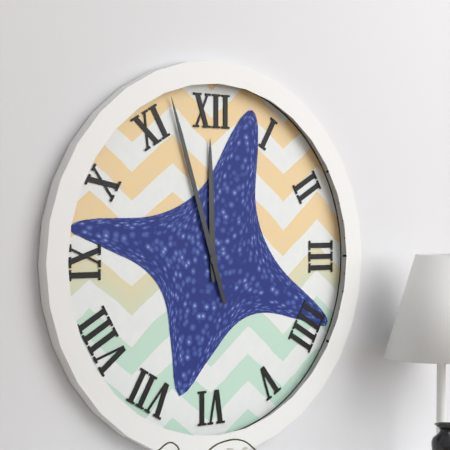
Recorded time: 11.57
